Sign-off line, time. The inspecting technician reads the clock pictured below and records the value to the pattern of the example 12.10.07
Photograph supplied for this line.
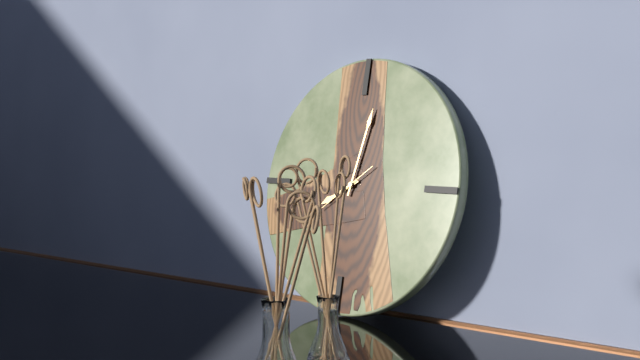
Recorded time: 8.02.39
